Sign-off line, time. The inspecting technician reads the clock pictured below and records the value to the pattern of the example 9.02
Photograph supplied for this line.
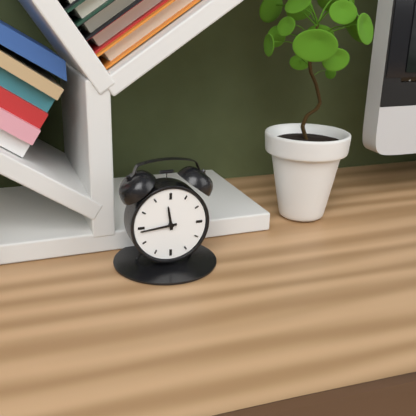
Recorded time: 11.44
